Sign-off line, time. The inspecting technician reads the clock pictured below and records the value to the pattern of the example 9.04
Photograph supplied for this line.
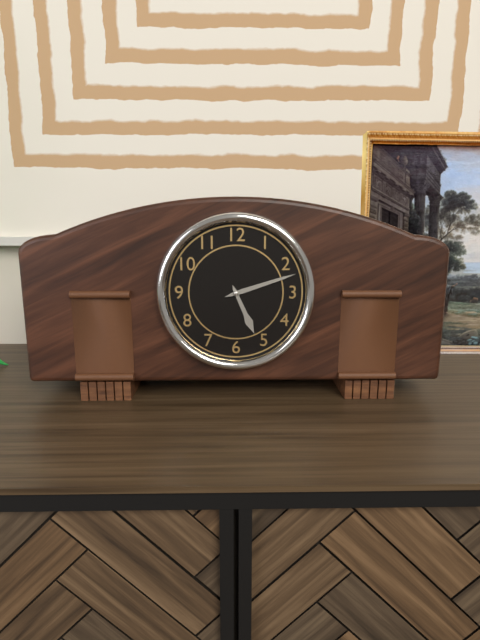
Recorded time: 5.12
